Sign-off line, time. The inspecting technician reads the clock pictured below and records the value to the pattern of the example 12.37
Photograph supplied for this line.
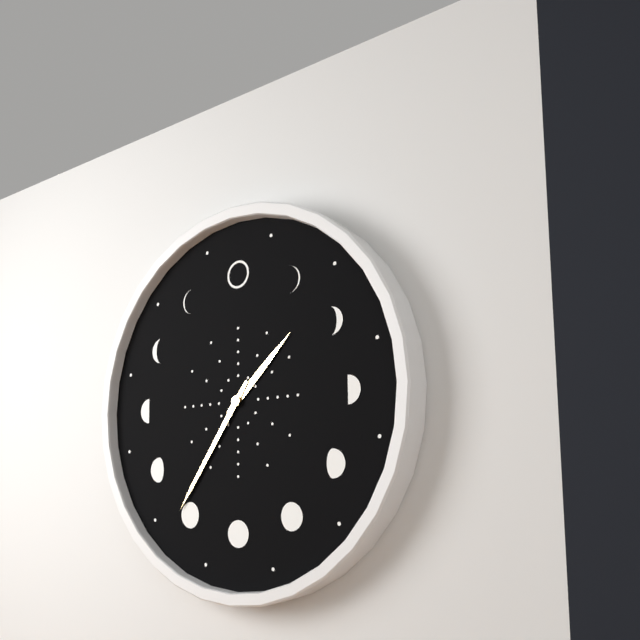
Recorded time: 1.36
